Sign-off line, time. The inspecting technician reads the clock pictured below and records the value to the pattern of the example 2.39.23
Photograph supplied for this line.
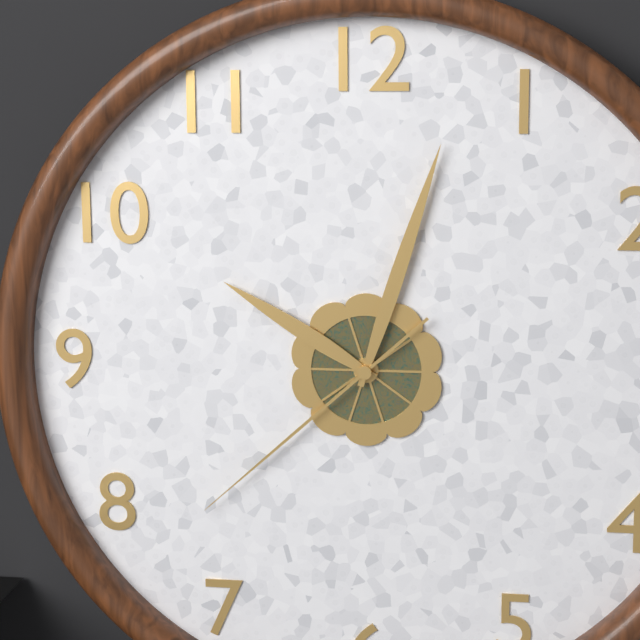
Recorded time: 10.03.38
